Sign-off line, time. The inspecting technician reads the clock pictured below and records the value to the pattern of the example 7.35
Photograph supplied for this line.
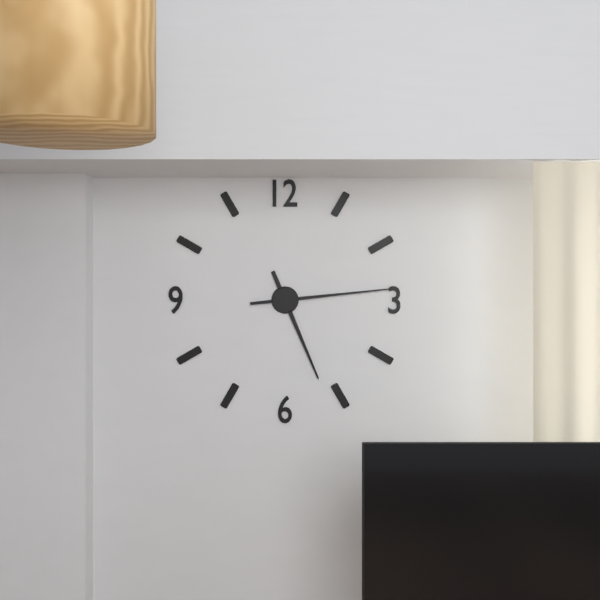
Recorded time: 5.14
